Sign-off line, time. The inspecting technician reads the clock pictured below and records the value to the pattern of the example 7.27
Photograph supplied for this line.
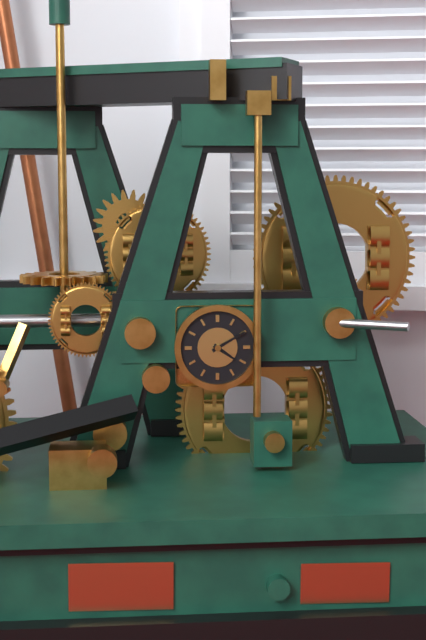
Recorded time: 4.10
